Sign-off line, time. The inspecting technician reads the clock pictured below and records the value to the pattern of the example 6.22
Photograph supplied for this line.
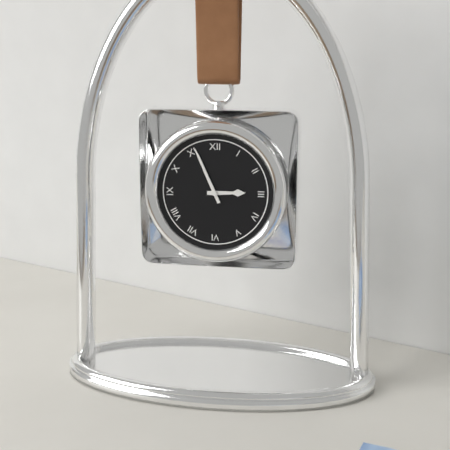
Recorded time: 2.56
